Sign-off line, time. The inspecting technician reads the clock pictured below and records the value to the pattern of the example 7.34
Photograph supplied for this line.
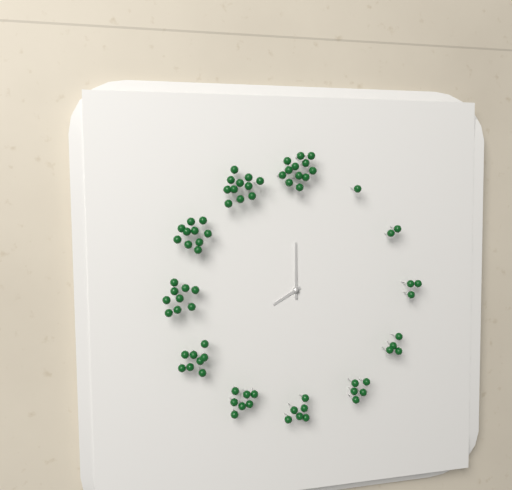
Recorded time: 8.00
